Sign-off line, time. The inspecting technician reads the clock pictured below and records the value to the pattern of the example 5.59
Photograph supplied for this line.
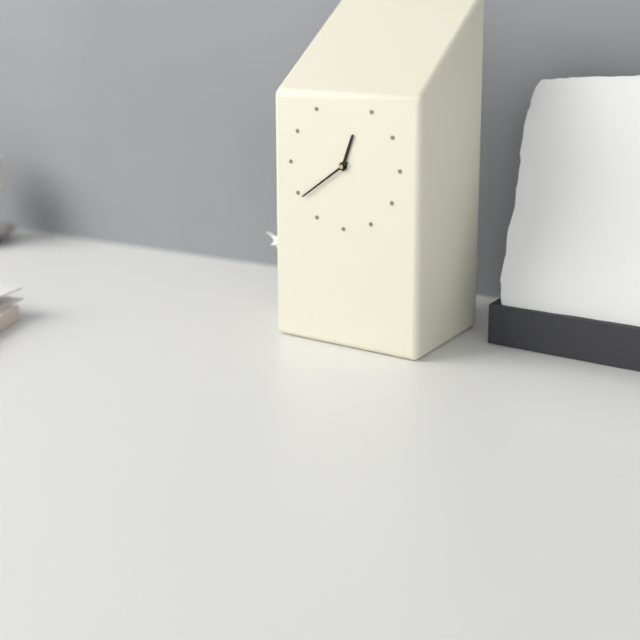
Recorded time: 12.39
